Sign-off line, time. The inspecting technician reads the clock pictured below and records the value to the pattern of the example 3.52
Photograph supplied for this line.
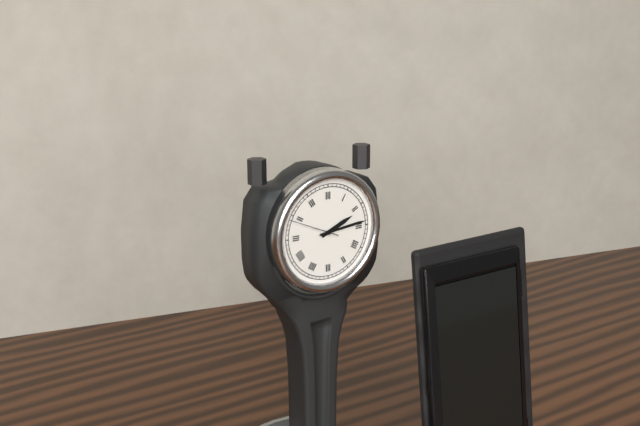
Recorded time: 2.14
